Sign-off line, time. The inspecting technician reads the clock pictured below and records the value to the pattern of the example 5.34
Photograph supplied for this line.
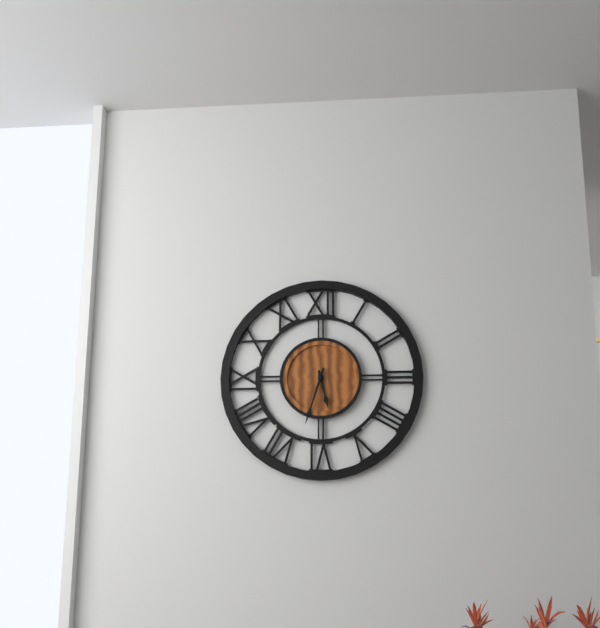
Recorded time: 5.33
